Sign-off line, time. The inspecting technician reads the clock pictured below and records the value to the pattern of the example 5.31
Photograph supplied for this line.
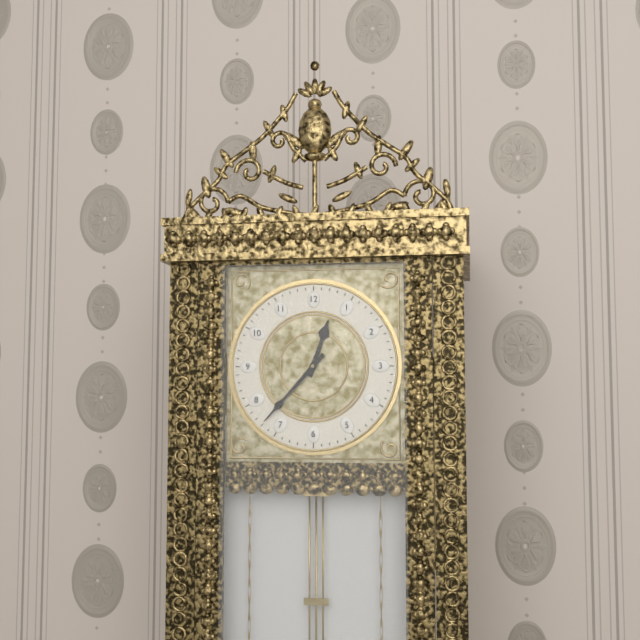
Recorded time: 12.37
